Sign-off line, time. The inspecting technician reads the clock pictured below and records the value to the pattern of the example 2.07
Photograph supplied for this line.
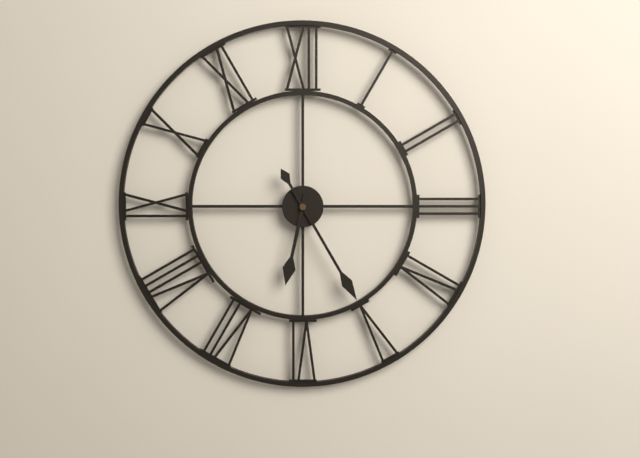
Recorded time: 6.25
